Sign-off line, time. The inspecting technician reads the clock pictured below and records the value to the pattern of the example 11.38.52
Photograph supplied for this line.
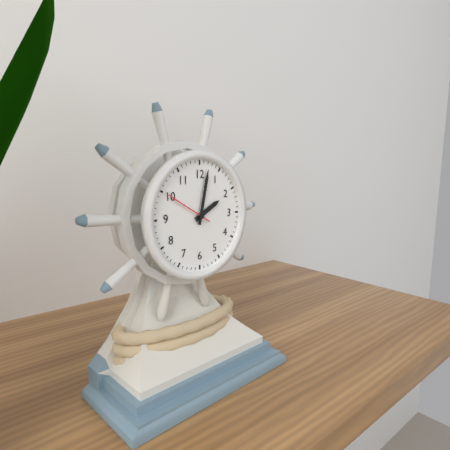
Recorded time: 2.02.50
